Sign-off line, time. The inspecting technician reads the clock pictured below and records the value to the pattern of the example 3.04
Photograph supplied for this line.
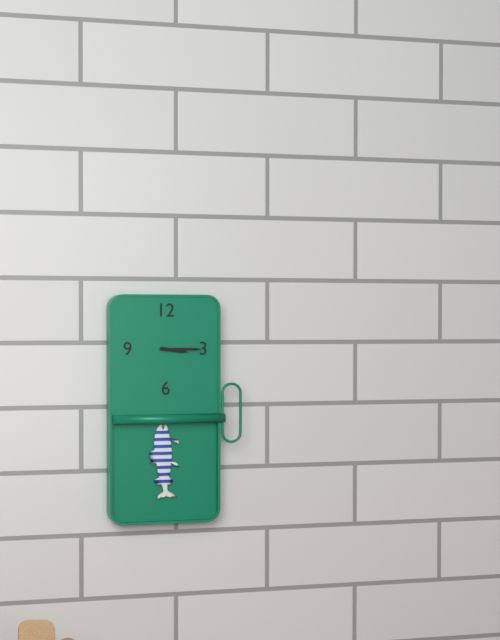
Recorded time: 3.15
